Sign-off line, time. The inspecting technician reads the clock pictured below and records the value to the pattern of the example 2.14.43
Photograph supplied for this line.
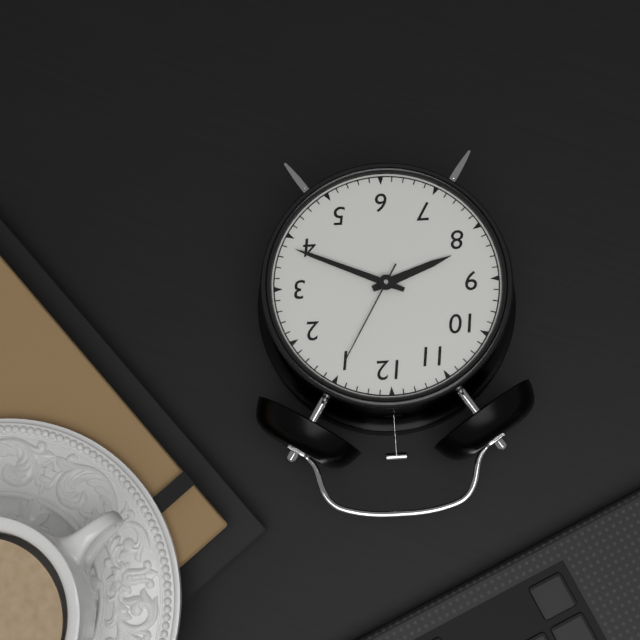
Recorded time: 8.19.05
